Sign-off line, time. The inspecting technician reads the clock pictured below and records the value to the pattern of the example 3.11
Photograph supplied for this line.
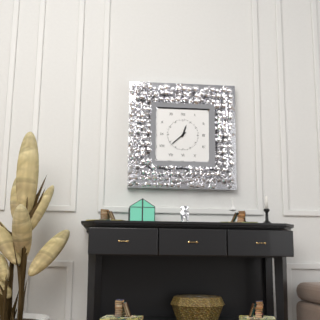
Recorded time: 12.38
